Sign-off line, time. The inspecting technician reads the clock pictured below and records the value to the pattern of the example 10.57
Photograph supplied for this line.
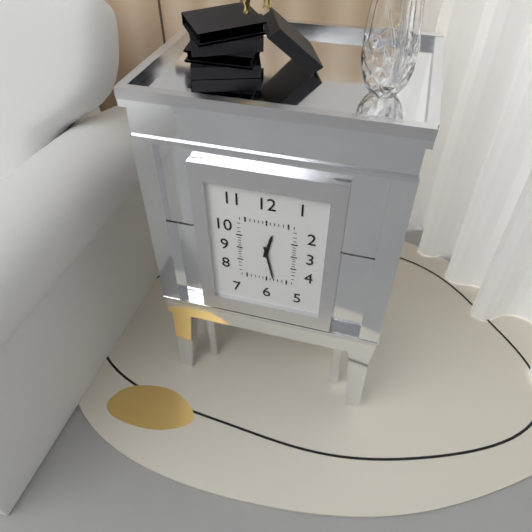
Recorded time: 12.28
